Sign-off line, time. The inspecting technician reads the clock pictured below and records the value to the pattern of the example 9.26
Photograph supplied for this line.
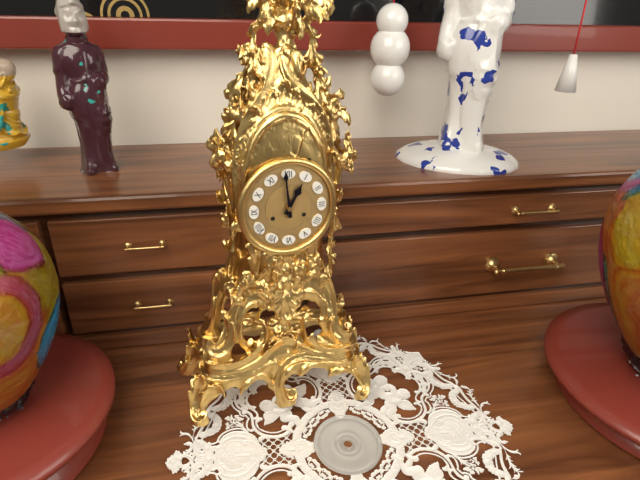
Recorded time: 12.59
